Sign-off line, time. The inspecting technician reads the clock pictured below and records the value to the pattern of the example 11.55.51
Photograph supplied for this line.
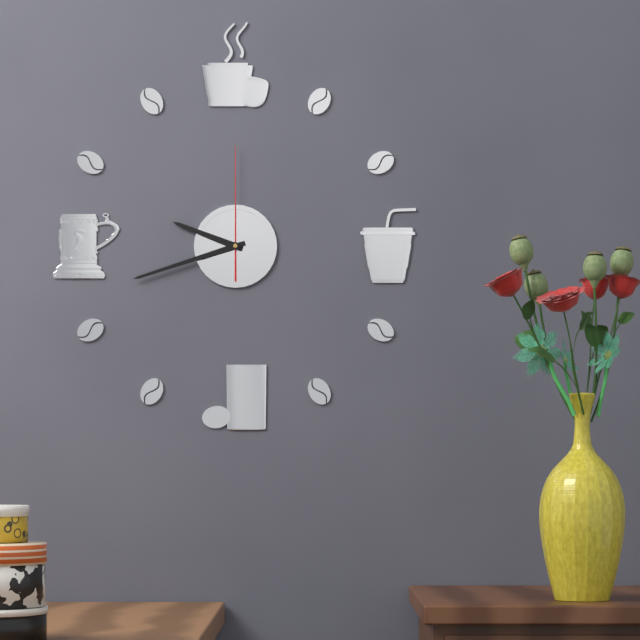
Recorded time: 9.42.00
